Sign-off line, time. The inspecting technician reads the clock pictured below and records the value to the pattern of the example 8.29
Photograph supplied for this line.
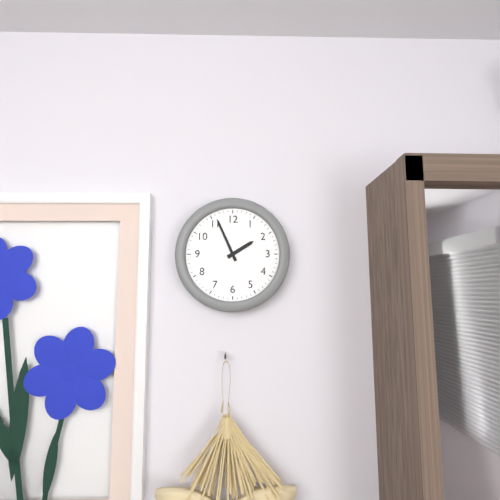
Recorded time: 1.56
